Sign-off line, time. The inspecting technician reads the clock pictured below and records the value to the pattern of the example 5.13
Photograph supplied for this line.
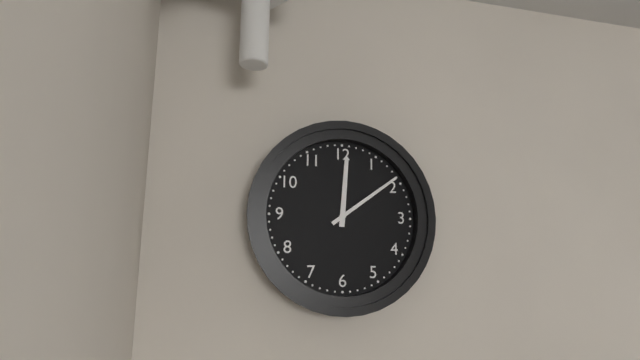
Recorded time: 12.09
